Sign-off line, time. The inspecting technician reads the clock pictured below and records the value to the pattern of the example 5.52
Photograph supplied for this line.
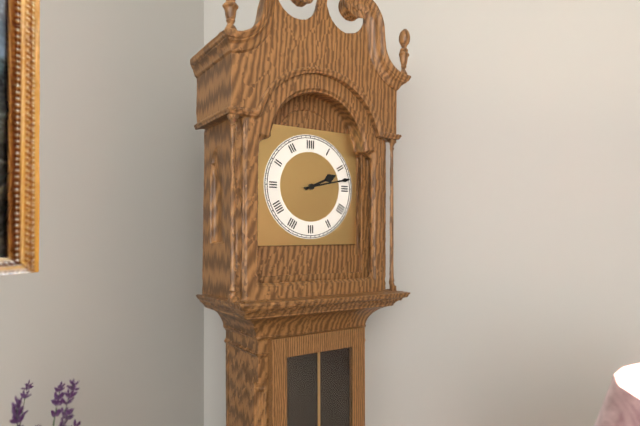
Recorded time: 2.13
